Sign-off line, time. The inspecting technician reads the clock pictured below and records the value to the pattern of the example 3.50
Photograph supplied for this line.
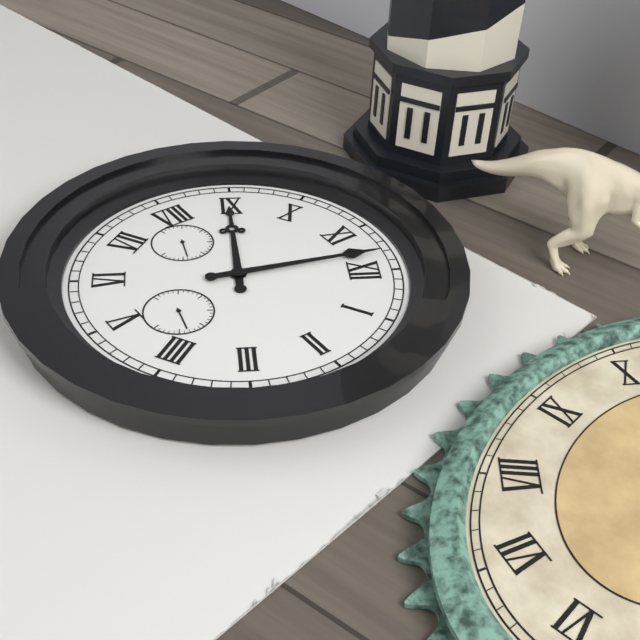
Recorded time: 8.58
